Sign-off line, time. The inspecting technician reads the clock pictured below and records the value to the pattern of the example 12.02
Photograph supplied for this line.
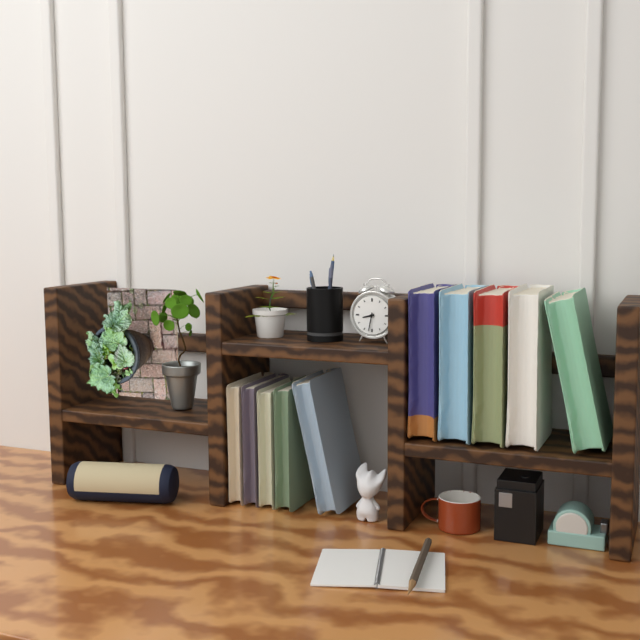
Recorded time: 8.32
